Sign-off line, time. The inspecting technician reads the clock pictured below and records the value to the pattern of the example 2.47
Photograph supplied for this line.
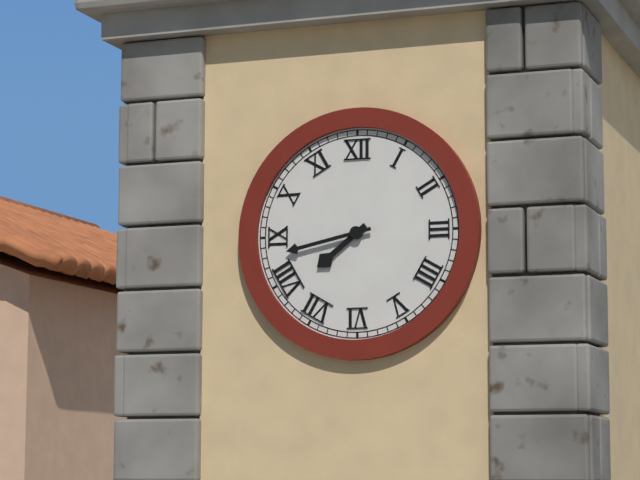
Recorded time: 7.43
